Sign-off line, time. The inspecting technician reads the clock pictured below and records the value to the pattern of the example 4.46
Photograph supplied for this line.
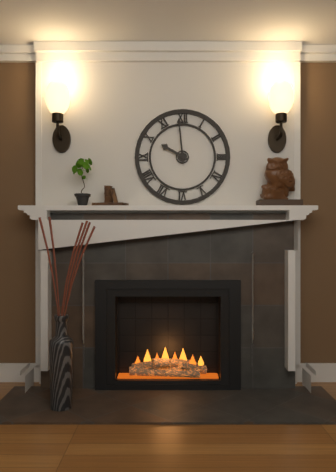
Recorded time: 9.59
